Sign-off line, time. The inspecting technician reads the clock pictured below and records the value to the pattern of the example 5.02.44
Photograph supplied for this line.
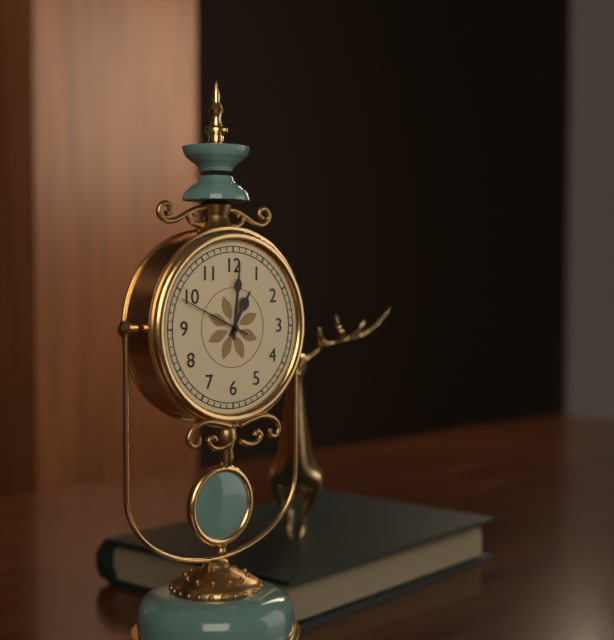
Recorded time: 1.01.49
